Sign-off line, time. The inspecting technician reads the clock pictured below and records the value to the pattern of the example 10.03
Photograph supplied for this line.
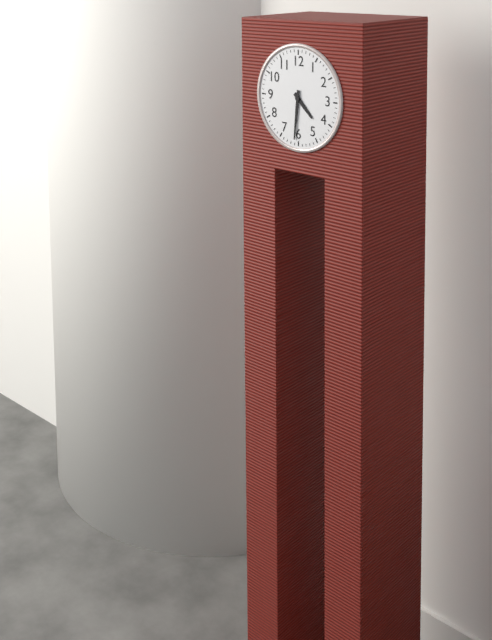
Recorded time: 4.31
